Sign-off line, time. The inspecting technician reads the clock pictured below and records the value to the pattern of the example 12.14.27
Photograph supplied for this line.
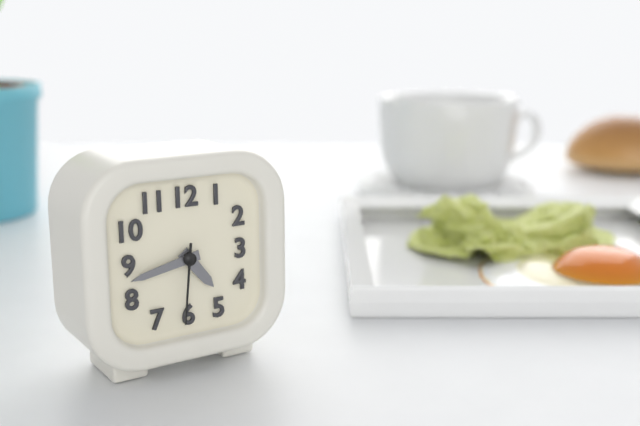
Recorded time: 4.43.31
